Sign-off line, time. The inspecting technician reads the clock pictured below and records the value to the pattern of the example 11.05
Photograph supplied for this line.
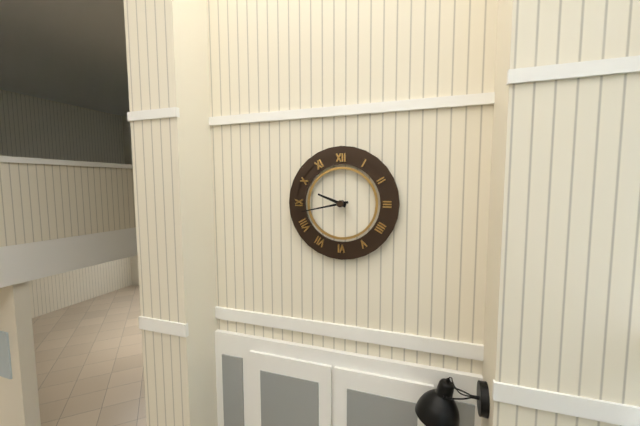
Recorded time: 9.43
